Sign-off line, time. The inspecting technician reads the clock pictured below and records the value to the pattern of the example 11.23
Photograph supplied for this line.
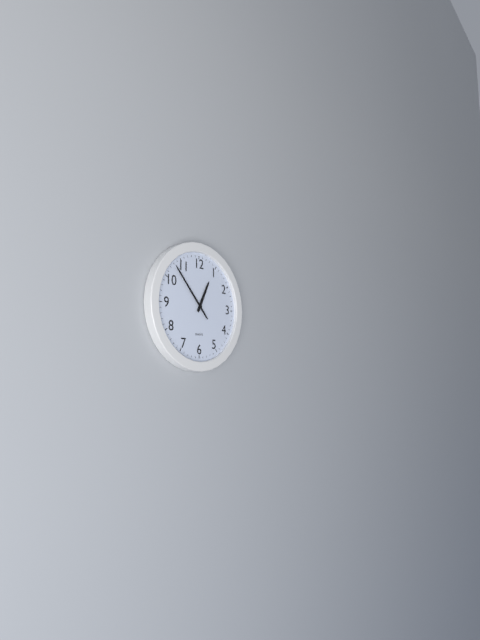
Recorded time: 12.53
